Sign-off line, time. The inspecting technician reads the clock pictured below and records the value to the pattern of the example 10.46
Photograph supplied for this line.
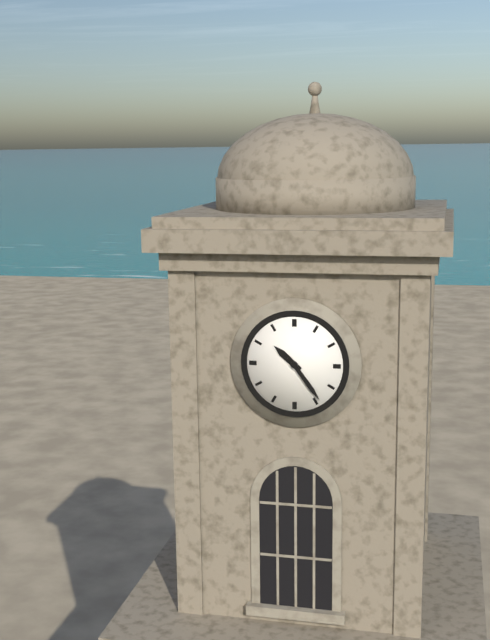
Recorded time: 10.24
